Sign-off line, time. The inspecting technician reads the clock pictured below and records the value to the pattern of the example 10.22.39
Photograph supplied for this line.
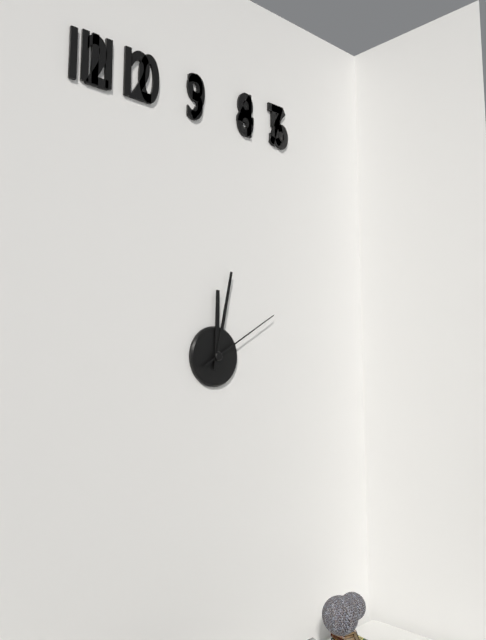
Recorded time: 12.02.10
